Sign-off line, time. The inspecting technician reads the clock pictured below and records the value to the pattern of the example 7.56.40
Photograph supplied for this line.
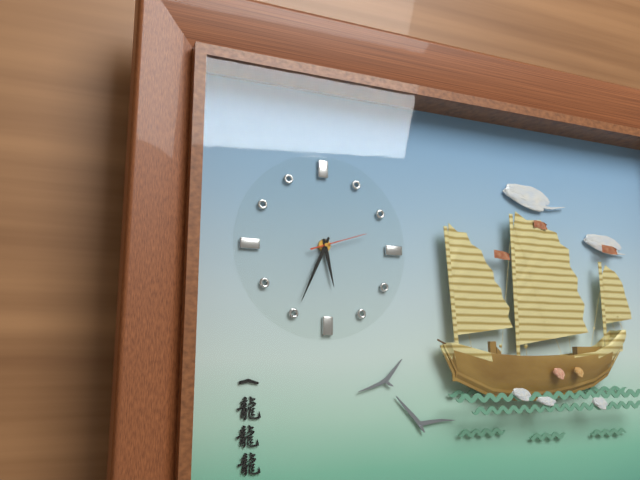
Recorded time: 5.34.12
